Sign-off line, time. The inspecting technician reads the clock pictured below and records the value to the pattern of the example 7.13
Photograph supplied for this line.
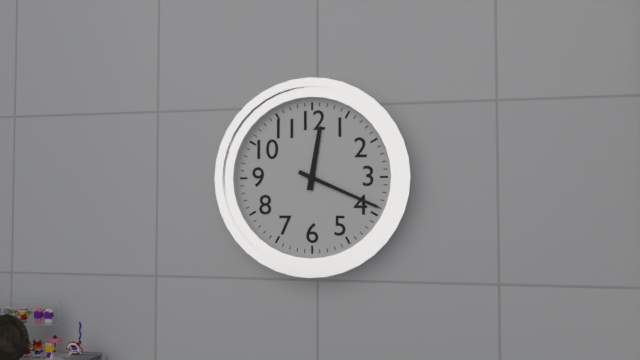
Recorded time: 12.19
